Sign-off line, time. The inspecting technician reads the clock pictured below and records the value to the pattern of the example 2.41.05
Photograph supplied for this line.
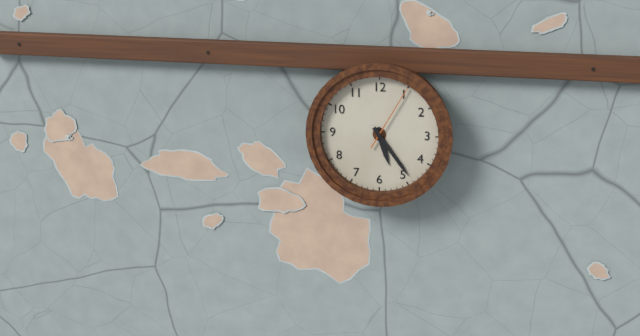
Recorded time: 5.24.05
